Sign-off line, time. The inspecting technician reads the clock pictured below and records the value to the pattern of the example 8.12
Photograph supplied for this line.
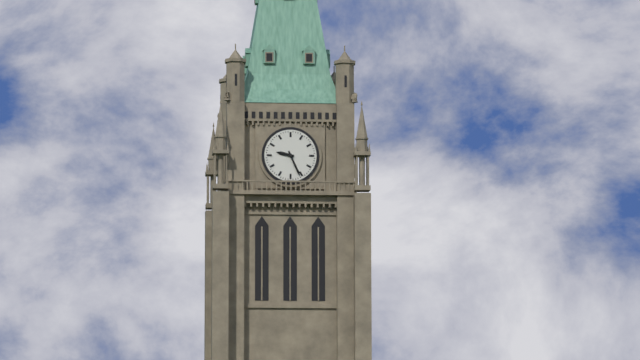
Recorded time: 9.26
